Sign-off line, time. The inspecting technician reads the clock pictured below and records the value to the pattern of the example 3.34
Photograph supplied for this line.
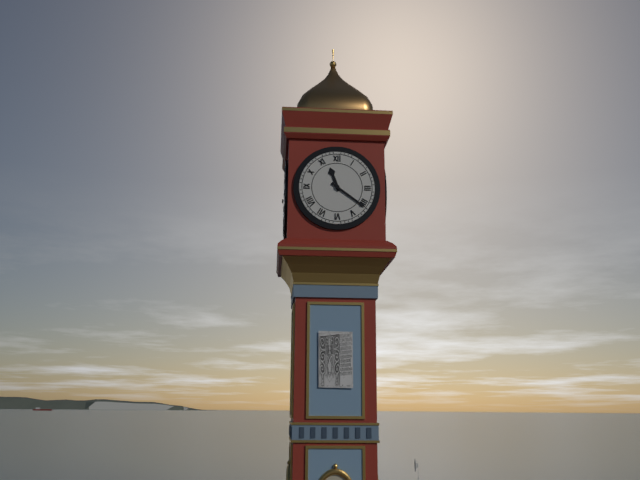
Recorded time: 11.21
